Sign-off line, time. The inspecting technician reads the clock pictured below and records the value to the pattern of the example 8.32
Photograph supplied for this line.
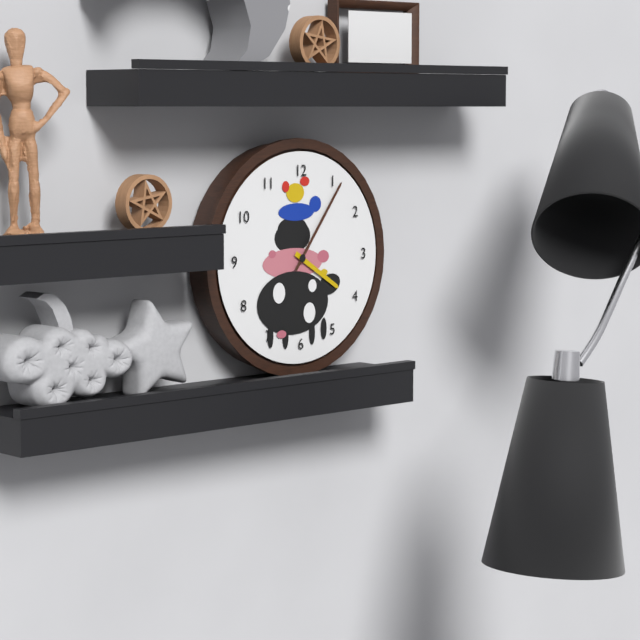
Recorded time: 4.06
